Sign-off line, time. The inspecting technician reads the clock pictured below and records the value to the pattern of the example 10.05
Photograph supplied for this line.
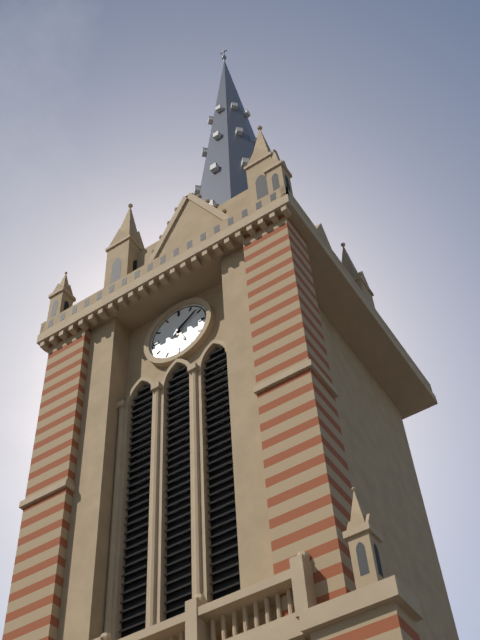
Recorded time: 5.09
